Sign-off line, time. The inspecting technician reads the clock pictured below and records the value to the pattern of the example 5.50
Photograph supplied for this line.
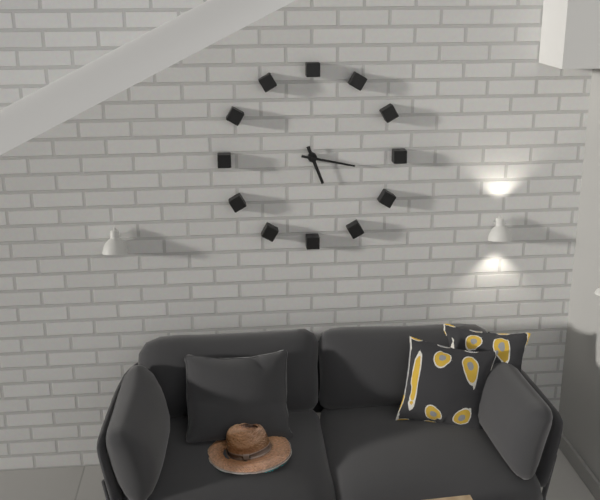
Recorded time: 5.17
